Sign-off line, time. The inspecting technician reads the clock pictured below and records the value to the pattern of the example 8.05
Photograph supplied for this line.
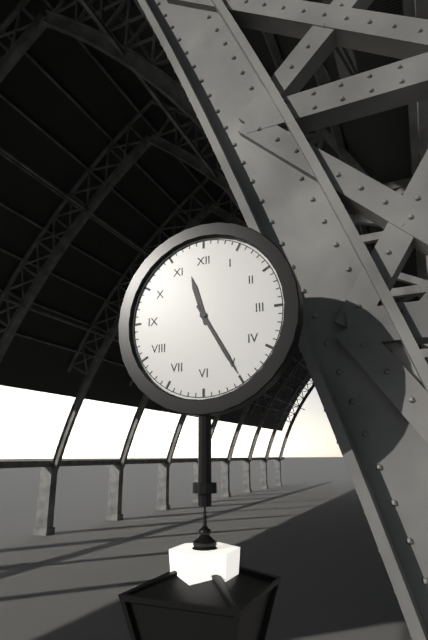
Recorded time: 11.25
